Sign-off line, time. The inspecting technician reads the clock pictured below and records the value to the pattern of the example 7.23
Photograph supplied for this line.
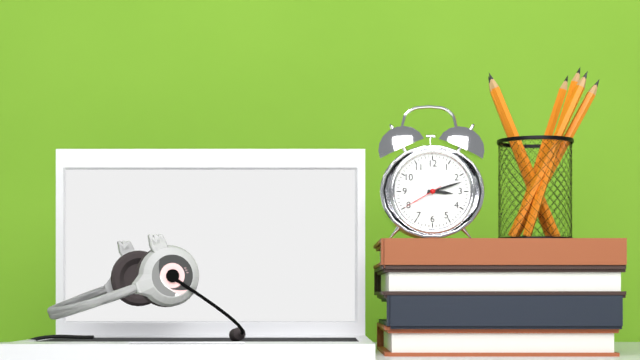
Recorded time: 3.12
